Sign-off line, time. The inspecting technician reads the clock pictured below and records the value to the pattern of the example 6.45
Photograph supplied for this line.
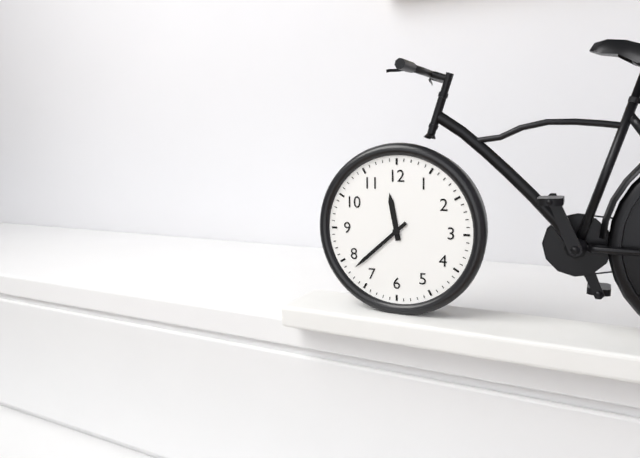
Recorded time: 11.38
